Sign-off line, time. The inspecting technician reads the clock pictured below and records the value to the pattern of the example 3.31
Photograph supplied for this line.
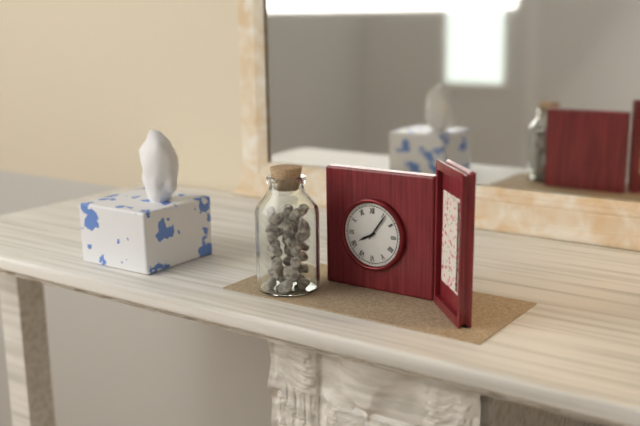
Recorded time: 8.06
